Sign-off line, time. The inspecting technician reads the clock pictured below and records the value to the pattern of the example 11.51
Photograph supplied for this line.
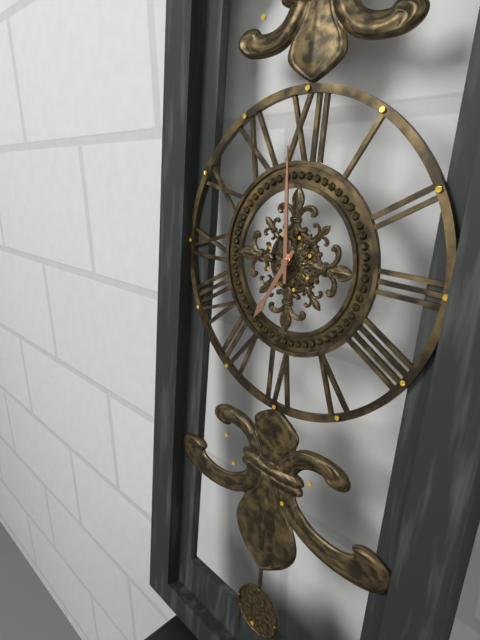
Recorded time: 6.59
